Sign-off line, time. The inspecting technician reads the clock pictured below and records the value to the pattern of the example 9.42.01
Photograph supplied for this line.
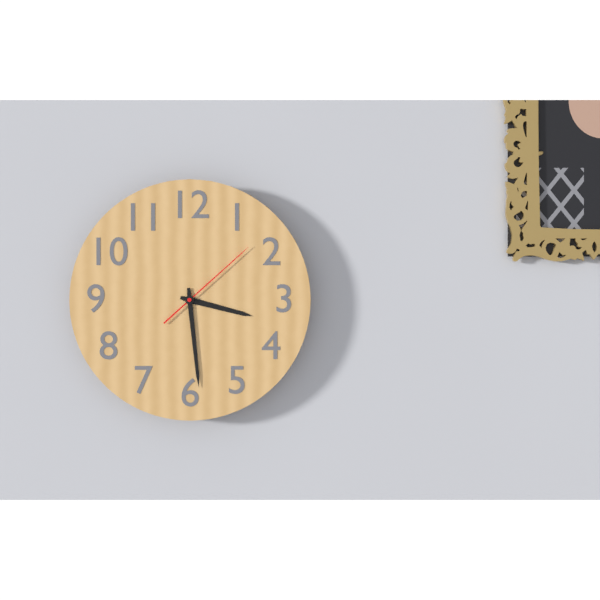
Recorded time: 3.29.08
